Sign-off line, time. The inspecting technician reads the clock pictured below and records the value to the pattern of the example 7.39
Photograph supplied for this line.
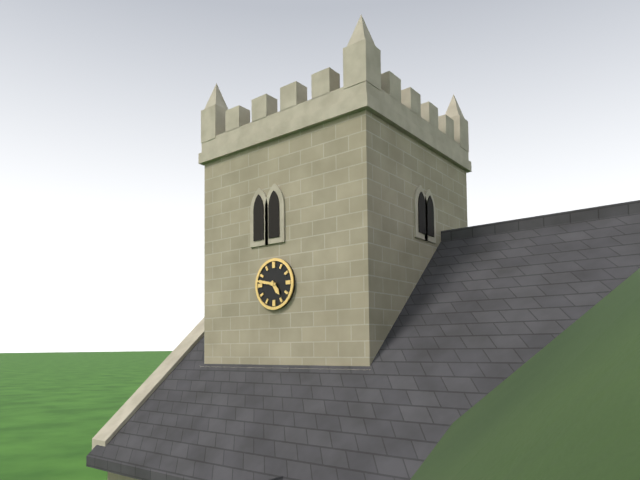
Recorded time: 4.47
